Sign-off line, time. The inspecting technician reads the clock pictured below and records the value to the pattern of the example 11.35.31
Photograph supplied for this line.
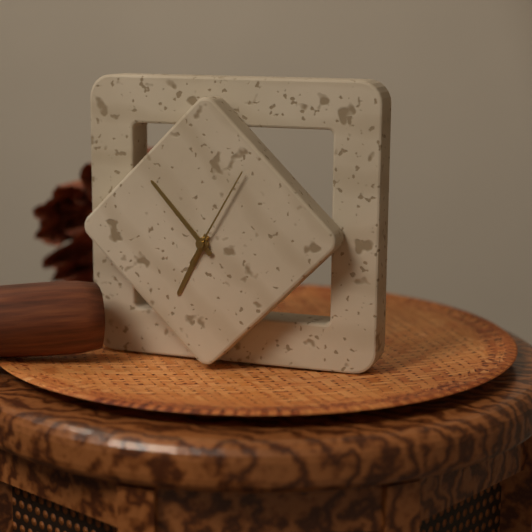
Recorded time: 6.53.05
